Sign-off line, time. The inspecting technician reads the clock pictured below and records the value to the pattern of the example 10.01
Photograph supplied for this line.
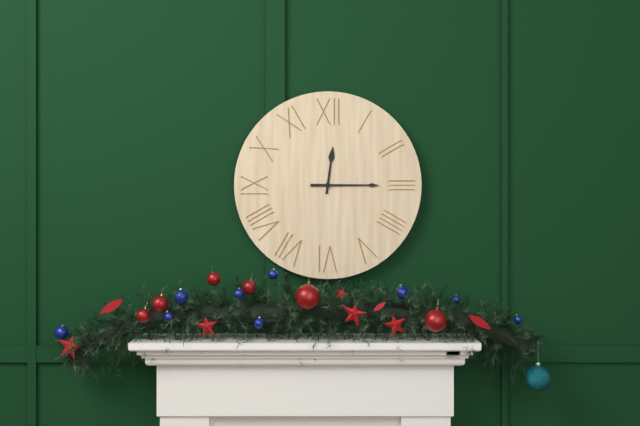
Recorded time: 12.15
